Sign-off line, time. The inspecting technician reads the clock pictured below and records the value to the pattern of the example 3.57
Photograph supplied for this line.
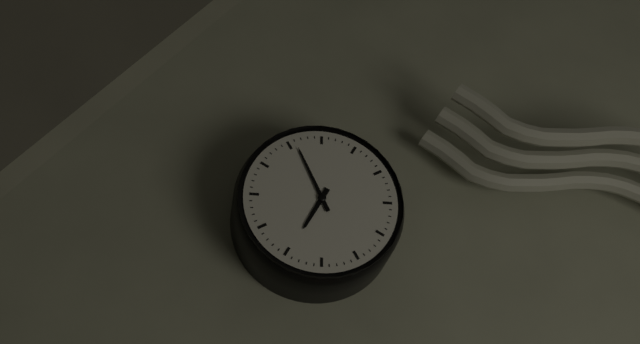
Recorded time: 6.56
